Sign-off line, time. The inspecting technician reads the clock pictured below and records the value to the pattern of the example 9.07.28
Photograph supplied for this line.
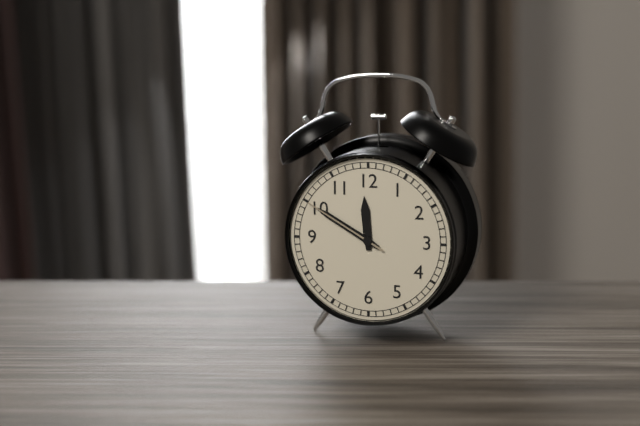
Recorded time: 11.50.50
